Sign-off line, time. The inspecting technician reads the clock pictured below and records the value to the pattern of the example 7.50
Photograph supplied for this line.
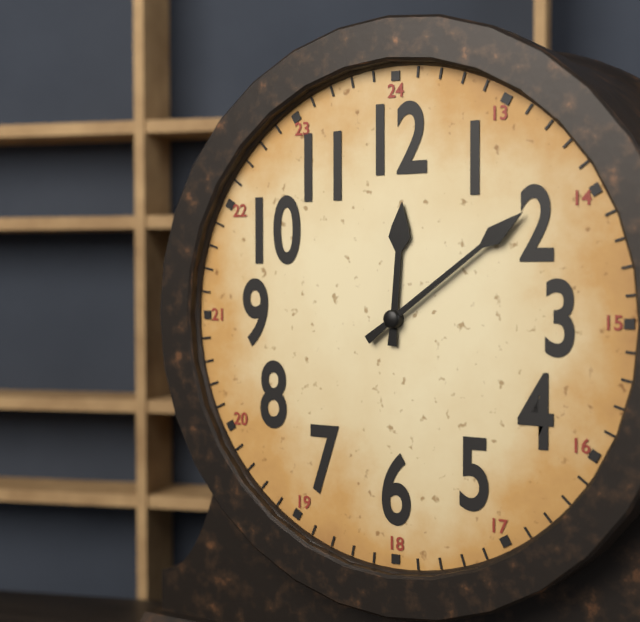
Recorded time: 12.09
